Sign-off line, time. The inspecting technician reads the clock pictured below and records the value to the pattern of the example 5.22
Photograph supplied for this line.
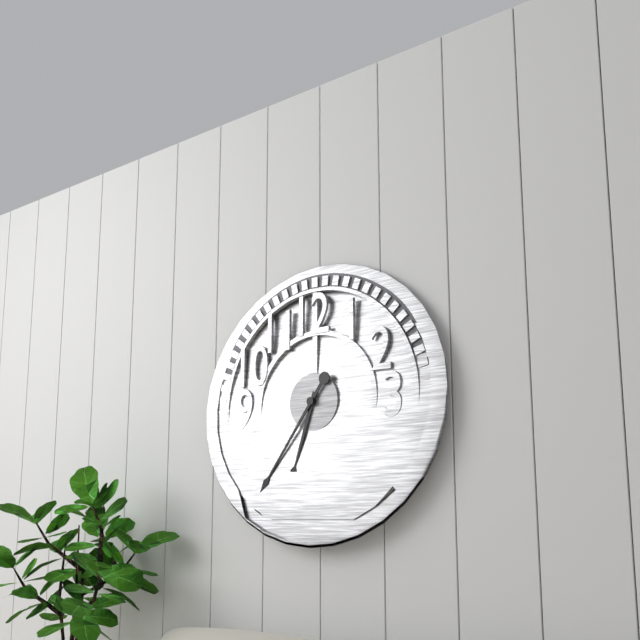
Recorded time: 6.36
